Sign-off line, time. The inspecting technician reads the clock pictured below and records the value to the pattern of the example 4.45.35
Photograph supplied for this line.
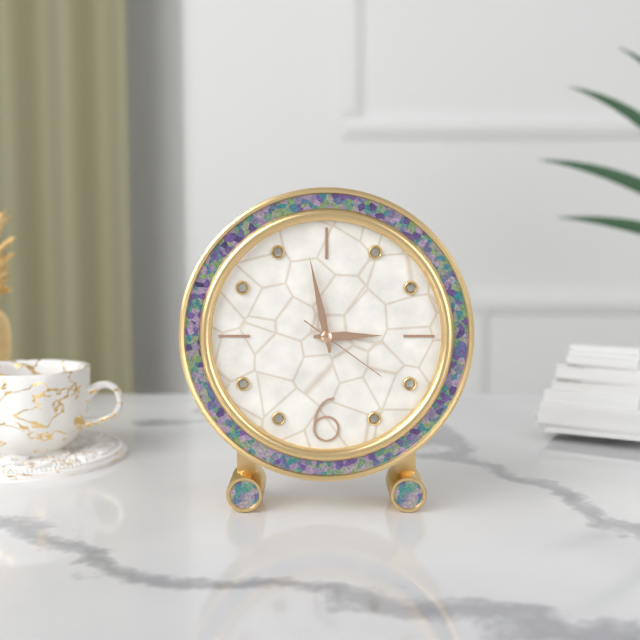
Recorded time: 2.58.21
